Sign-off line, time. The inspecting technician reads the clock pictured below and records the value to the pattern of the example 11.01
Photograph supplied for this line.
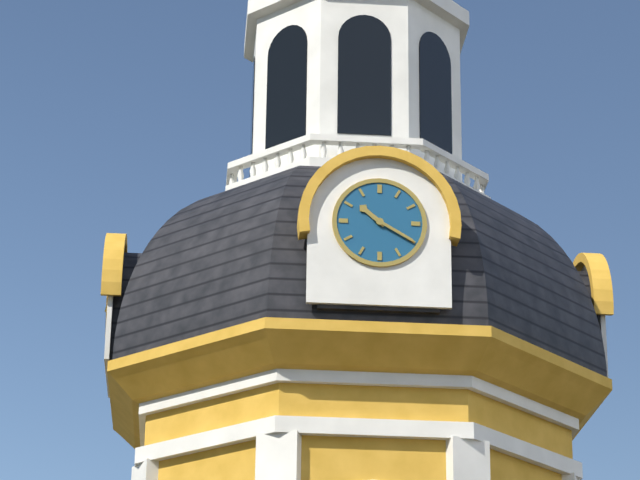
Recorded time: 10.20
